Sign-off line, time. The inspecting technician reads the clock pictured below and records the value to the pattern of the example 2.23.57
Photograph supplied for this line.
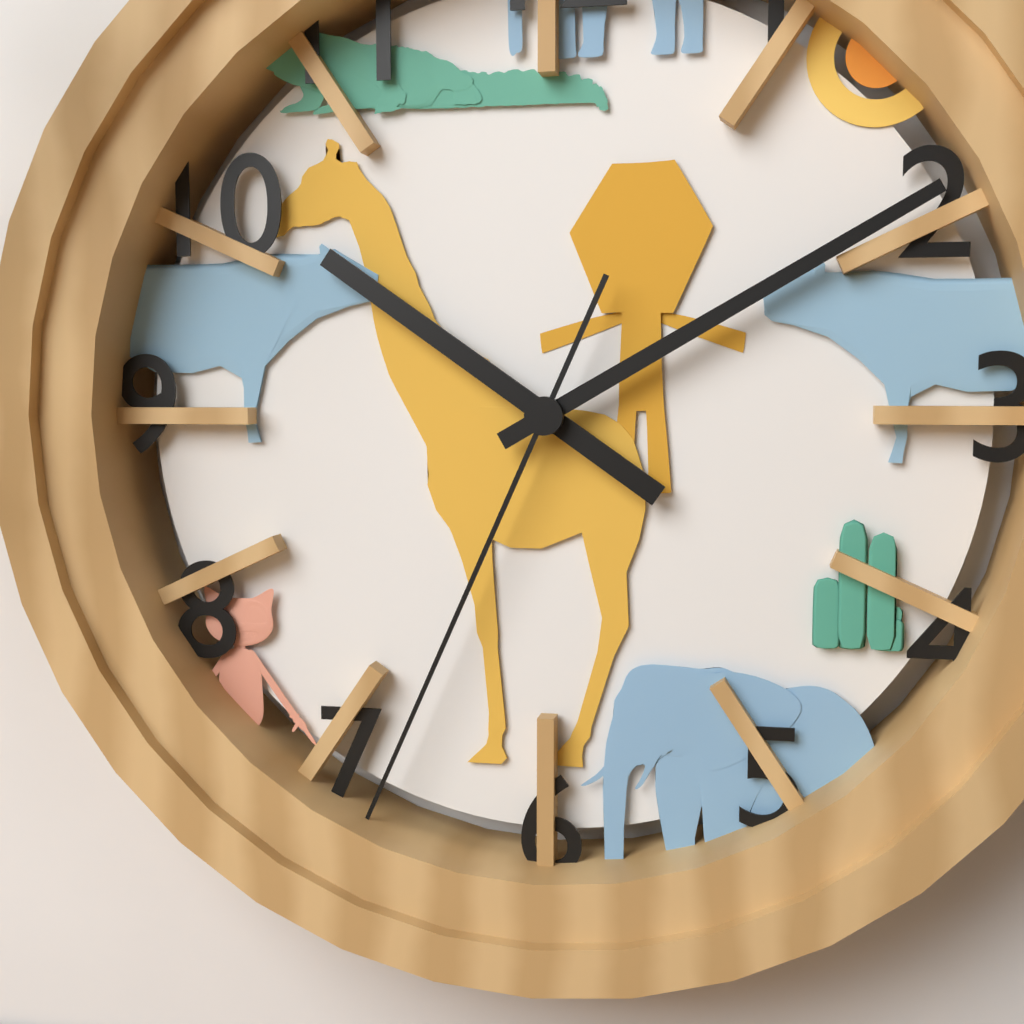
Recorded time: 10.10.34
